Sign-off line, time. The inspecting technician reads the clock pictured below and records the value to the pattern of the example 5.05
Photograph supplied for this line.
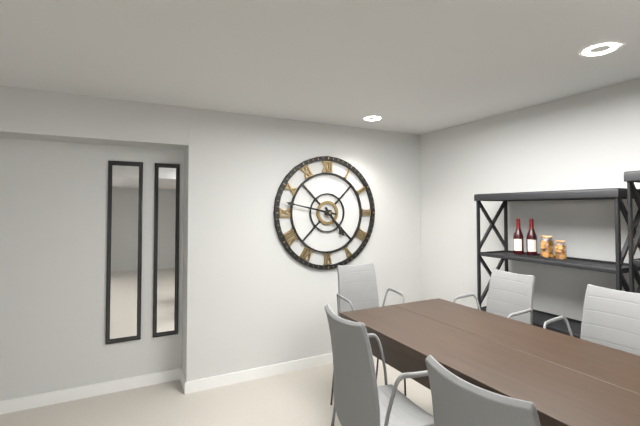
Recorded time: 4.47
